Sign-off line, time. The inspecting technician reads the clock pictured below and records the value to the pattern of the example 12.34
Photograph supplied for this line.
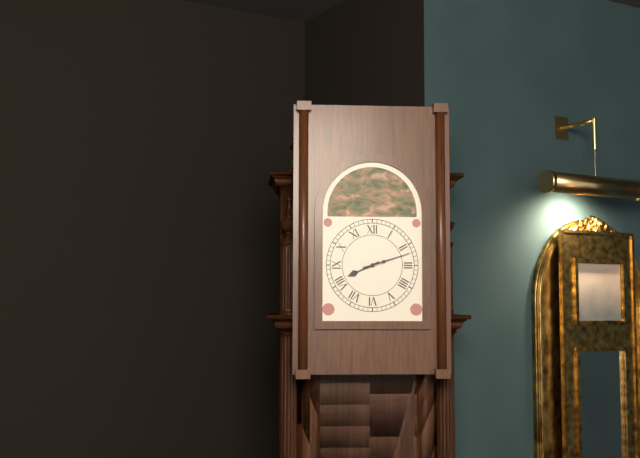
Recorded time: 8.12
